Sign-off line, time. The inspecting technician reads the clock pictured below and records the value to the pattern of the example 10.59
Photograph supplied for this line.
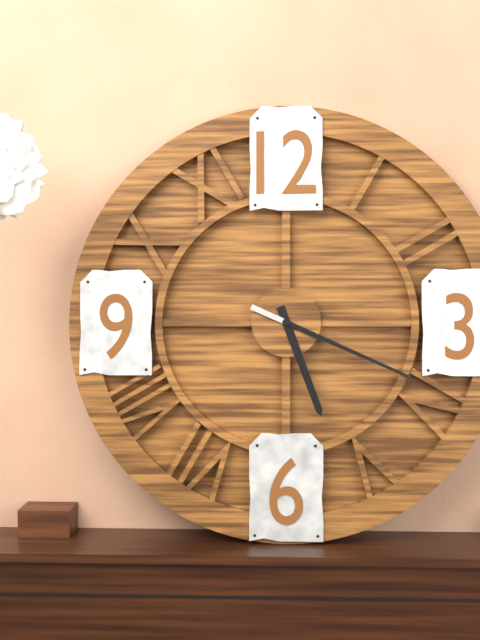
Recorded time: 5.19
